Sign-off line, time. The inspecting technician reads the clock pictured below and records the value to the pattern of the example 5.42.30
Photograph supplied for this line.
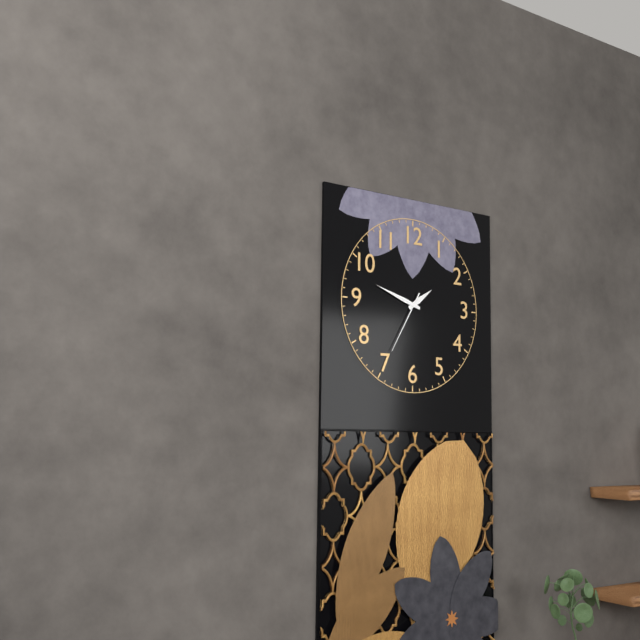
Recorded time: 1.48.35
